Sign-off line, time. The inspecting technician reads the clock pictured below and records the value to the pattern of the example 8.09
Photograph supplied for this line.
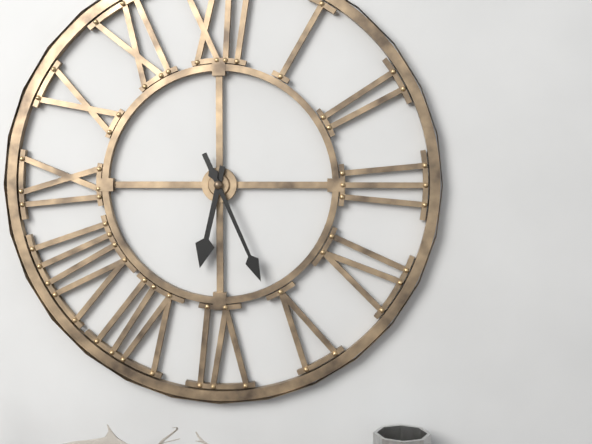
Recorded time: 6.26
